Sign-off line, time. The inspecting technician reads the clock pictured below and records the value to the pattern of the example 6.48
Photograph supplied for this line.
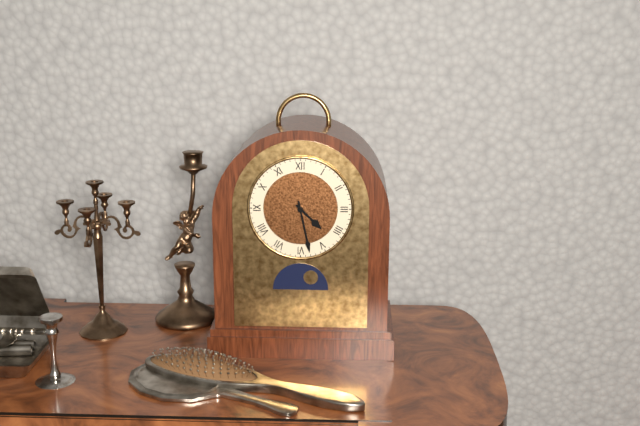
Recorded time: 4.28
